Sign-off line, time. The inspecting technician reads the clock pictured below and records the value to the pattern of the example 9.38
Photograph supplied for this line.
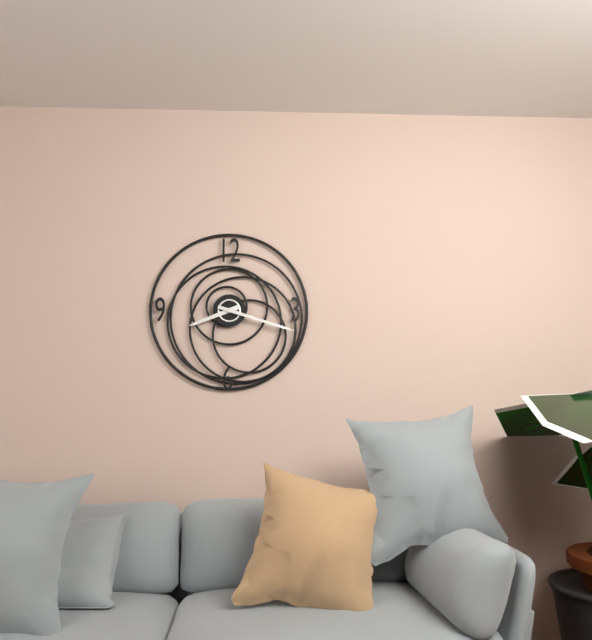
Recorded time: 8.18
